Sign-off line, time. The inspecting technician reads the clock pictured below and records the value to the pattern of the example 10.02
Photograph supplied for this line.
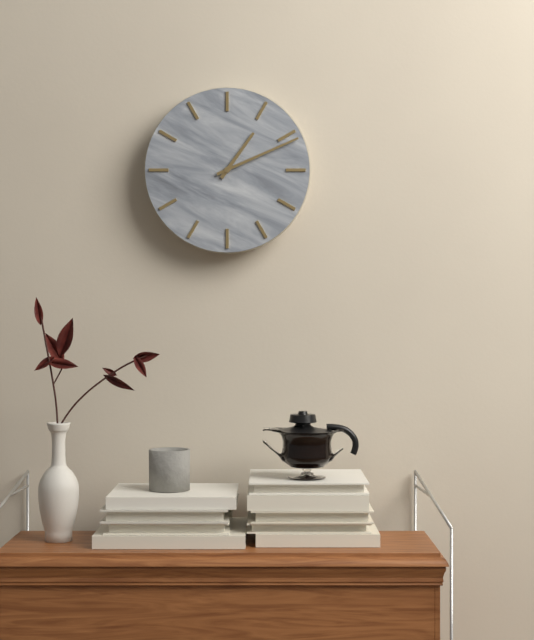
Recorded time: 1.11
